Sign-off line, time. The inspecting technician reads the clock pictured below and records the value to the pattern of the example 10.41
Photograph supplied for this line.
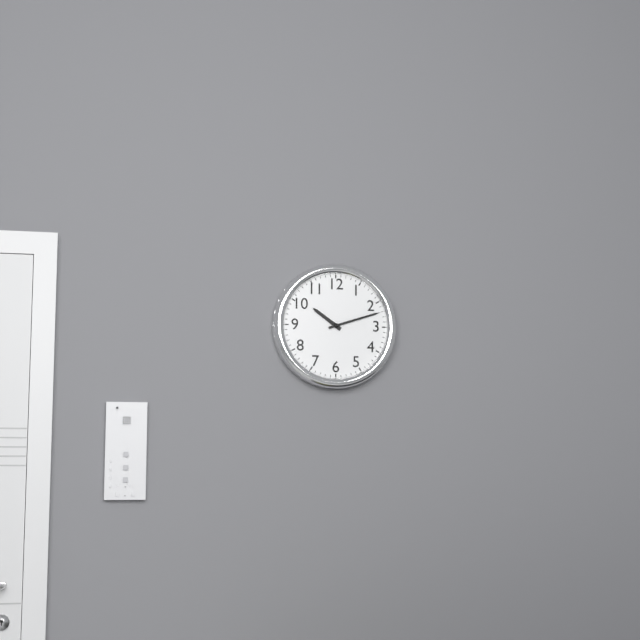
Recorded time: 10.12
